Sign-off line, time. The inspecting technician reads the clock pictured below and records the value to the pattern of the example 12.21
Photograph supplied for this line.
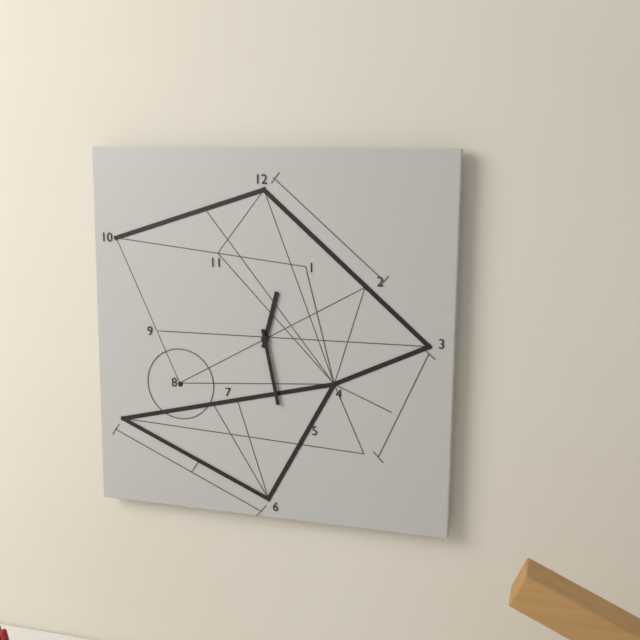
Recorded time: 12.28
